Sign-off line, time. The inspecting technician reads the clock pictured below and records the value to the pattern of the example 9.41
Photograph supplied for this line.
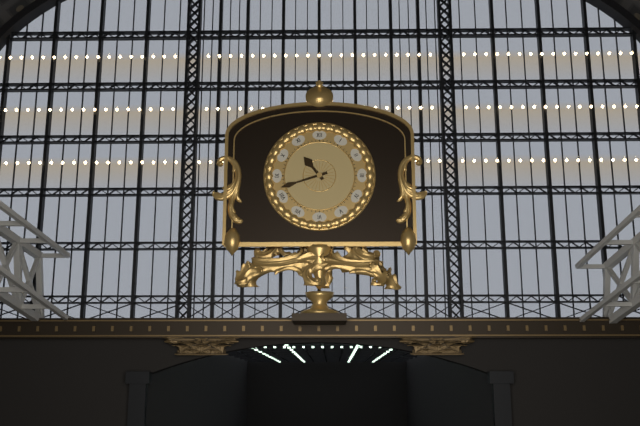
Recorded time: 10.42
